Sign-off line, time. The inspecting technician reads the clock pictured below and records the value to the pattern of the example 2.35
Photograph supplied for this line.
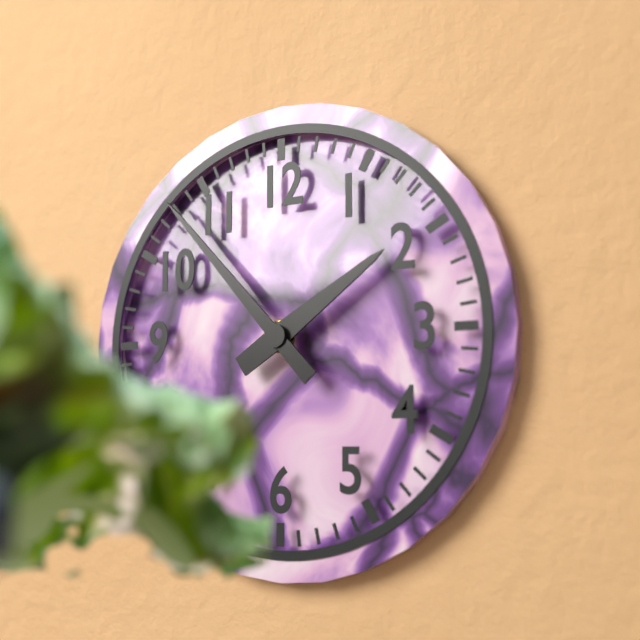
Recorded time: 1.53
